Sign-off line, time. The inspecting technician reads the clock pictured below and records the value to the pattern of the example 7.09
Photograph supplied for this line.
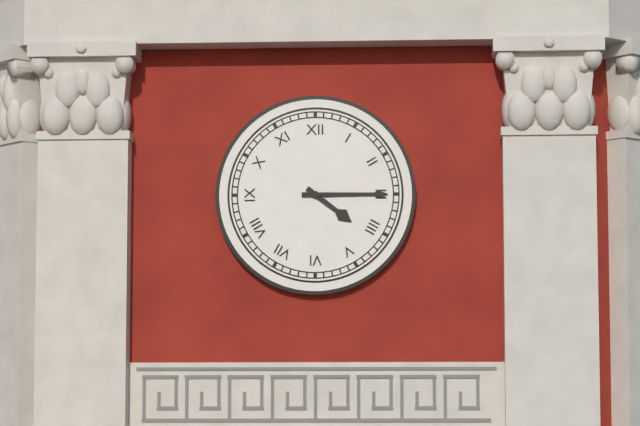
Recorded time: 4.15
